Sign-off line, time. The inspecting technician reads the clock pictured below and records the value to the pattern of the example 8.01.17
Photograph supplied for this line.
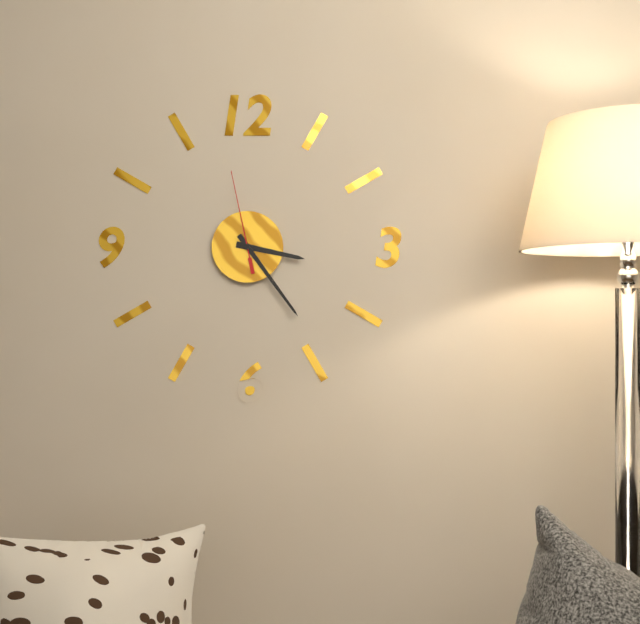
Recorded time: 3.24.58
